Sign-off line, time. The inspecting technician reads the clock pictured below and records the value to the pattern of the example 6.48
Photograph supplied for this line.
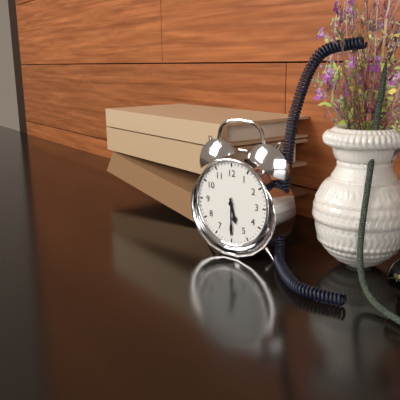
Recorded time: 5.30
